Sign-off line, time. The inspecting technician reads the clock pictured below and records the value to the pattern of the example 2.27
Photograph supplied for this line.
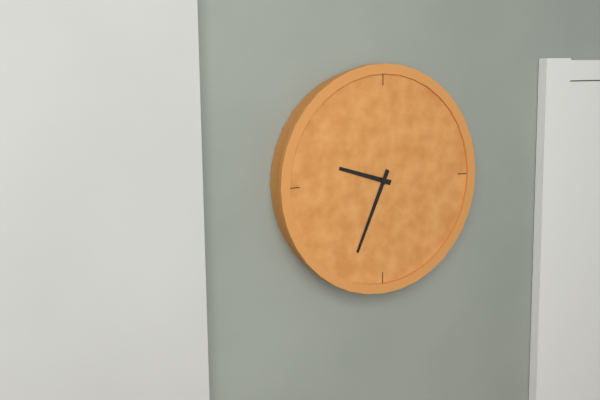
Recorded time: 9.34
